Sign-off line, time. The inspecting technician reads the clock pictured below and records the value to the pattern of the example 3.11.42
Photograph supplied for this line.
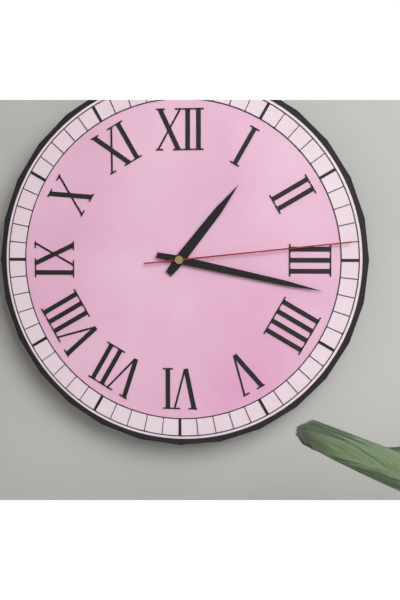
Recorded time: 1.17.14
